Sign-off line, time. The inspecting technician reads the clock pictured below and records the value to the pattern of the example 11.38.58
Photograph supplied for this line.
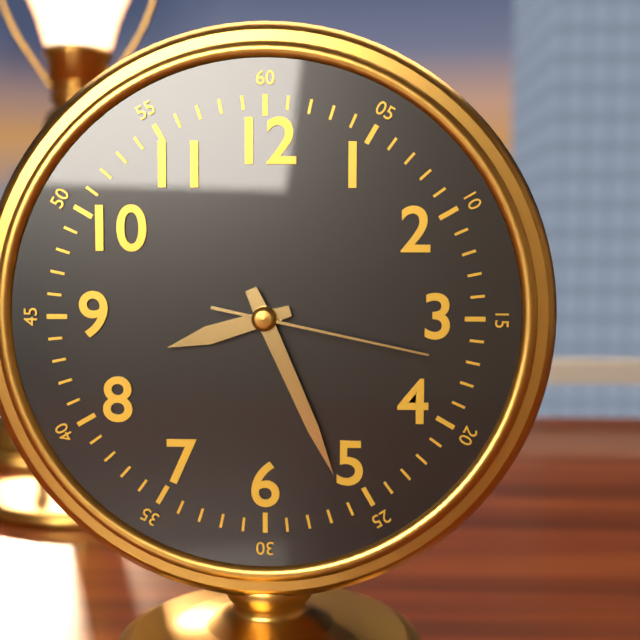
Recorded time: 8.26.17
